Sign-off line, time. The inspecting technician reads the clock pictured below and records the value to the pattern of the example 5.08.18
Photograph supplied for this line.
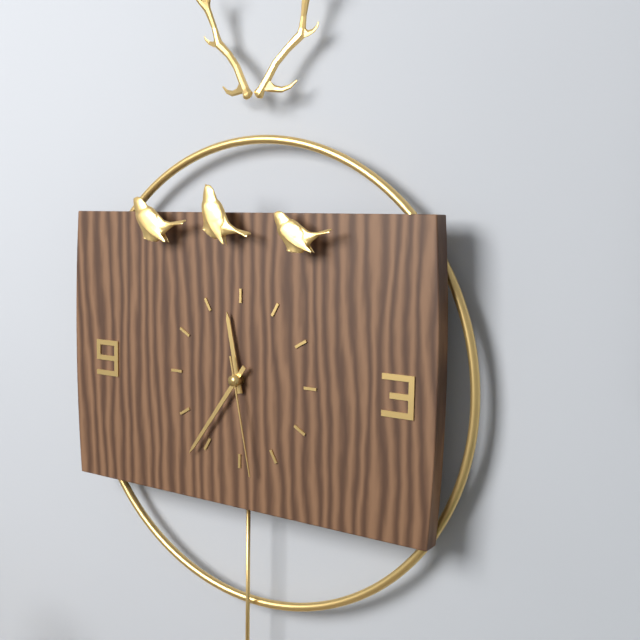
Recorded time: 11.36.28
